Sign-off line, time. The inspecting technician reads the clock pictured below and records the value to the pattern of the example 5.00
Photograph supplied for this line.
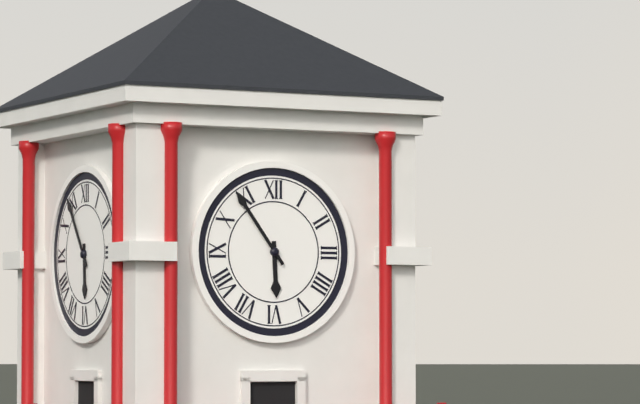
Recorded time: 5.54
